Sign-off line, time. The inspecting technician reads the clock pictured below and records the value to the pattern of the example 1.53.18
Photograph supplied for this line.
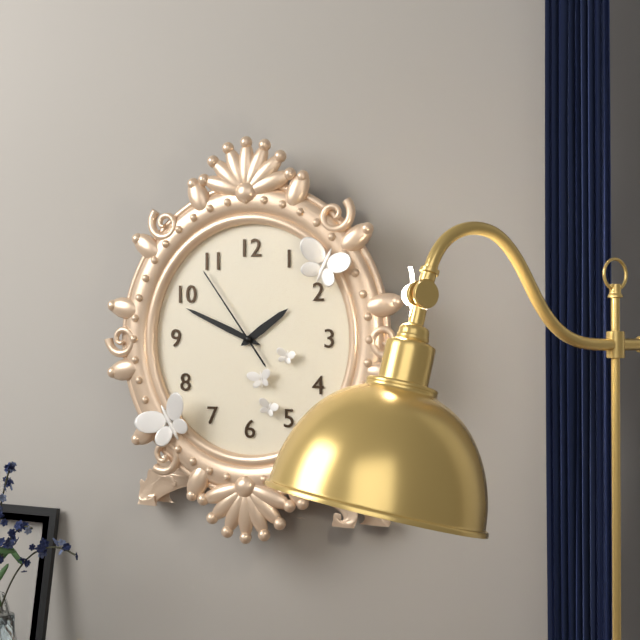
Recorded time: 1.49.54
